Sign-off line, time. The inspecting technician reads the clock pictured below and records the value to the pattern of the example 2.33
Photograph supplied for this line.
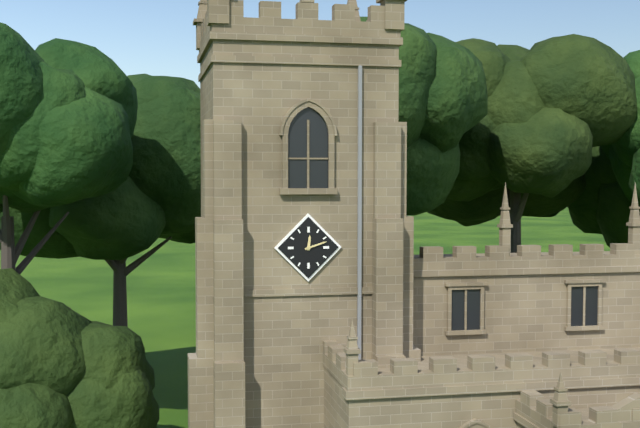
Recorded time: 12.12
